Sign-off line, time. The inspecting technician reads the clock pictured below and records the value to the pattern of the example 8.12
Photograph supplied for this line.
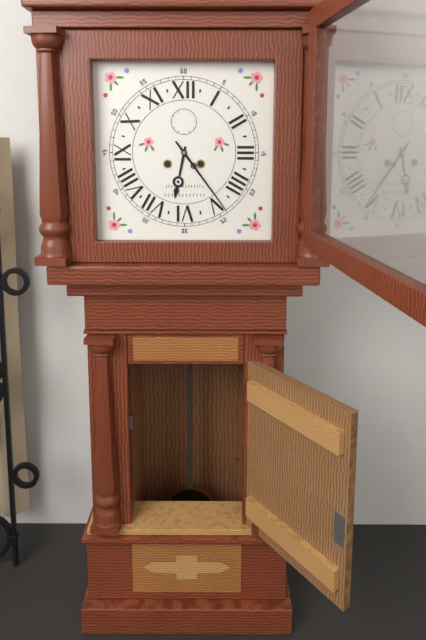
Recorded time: 6.24
